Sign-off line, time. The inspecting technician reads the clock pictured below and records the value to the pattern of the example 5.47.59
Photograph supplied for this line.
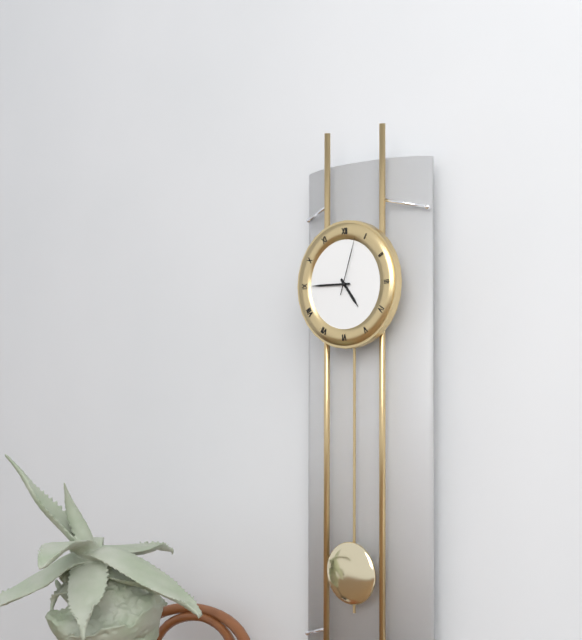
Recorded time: 4.45.03
